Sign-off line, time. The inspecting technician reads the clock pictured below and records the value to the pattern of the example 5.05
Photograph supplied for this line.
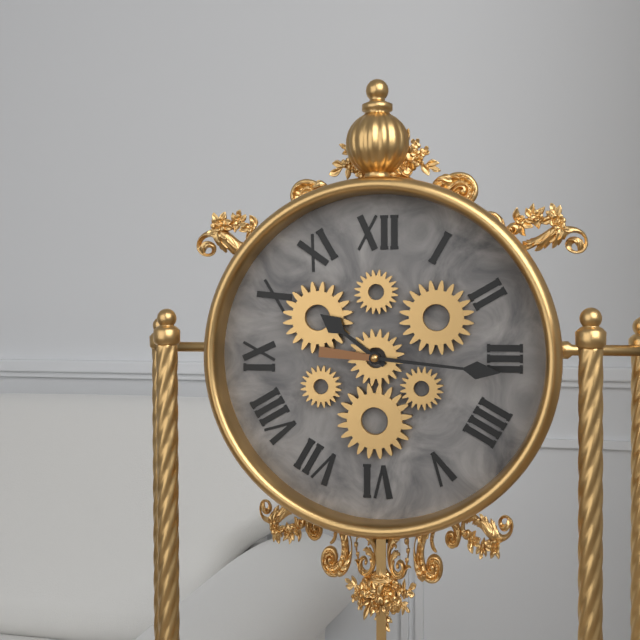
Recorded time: 10.16
